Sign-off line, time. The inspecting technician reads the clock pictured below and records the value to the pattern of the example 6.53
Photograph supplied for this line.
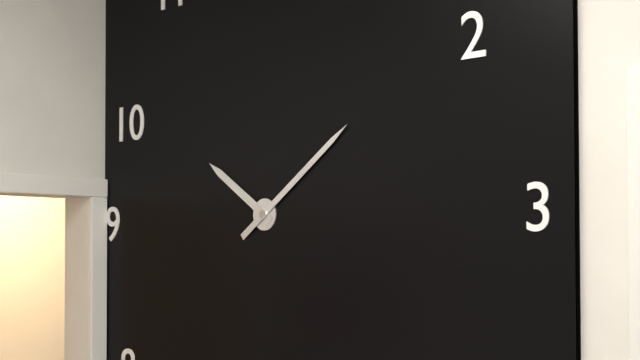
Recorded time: 10.09
